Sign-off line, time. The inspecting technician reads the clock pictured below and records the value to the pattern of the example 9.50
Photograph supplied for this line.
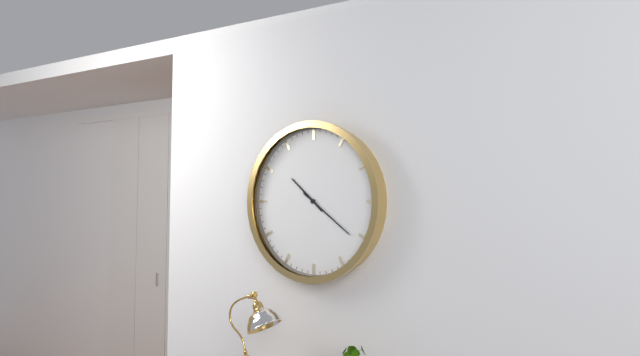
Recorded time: 10.21
